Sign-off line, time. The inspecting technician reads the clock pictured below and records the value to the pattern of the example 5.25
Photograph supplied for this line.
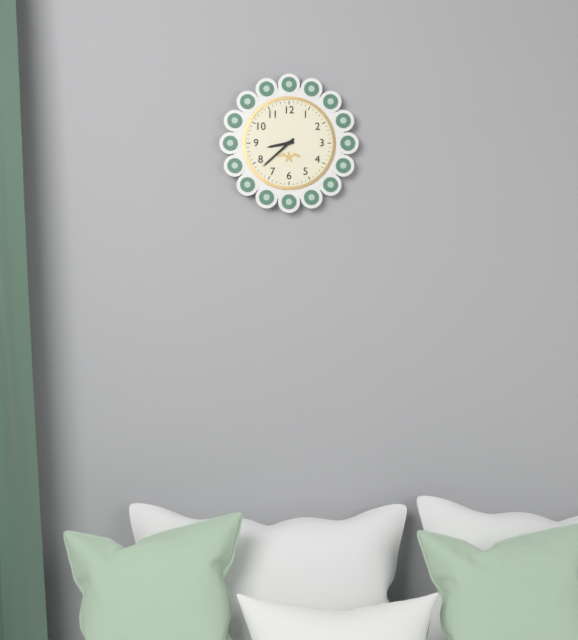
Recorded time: 8.38
